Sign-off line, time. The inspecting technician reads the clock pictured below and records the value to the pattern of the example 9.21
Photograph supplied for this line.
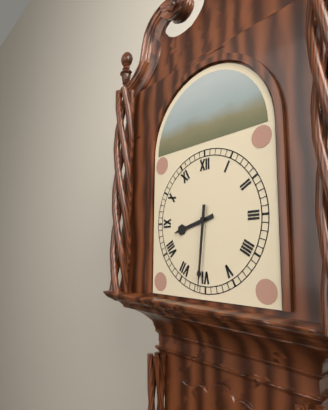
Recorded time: 8.31
